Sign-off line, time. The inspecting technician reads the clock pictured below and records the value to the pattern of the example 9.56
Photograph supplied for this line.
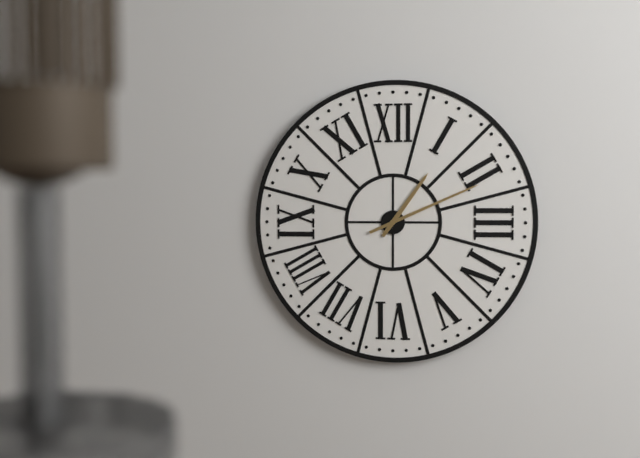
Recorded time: 1.11
